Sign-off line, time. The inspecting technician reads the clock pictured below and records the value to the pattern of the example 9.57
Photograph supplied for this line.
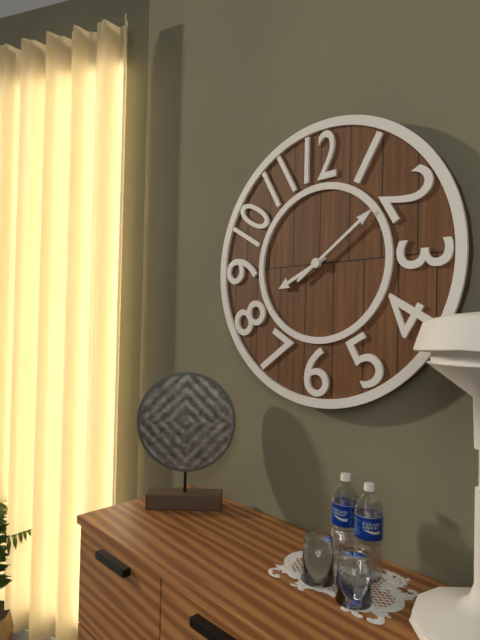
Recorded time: 8.09
